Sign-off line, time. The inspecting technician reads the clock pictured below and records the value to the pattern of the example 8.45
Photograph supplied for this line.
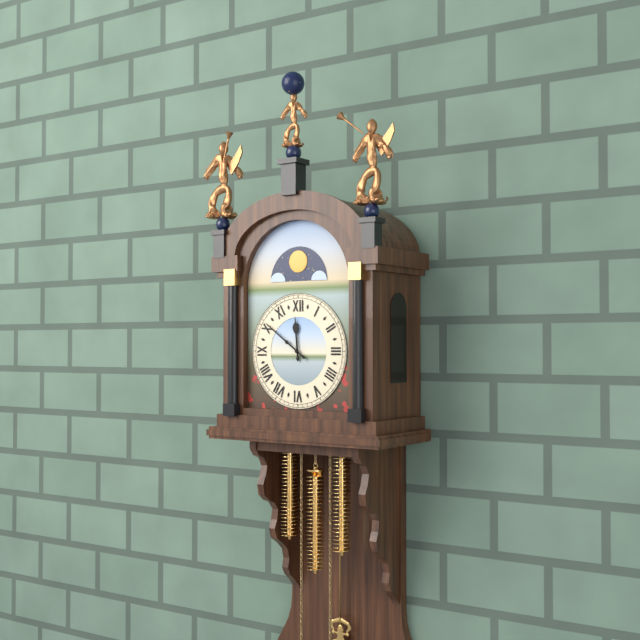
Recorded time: 11.51
